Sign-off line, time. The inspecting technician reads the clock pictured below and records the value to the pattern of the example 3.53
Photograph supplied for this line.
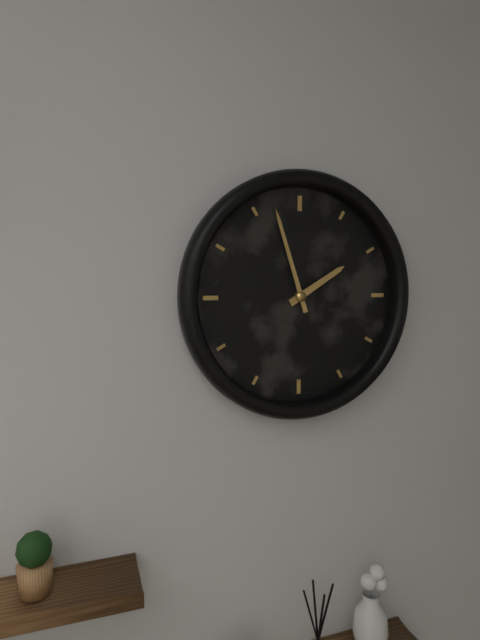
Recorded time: 1.57
